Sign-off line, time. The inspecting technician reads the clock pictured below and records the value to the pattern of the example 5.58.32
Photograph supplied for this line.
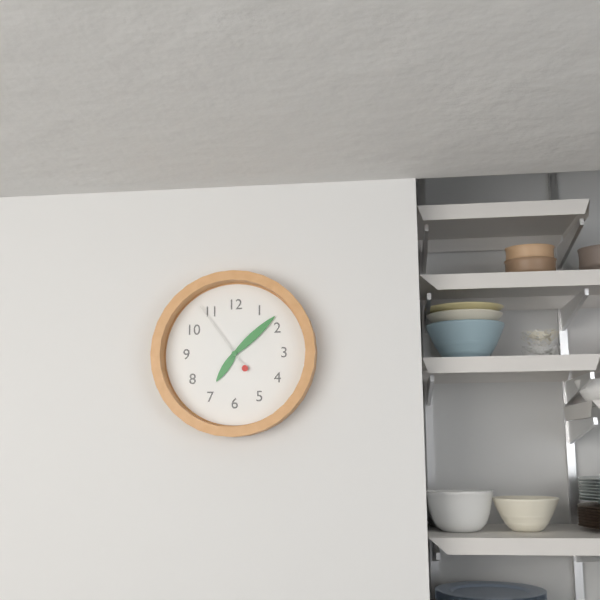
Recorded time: 7.08.54
